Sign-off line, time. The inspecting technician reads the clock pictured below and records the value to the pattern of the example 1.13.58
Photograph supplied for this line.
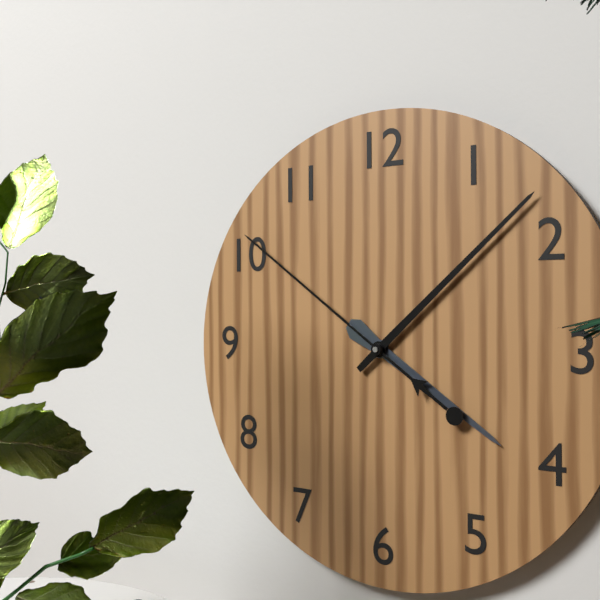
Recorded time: 4.08.51
